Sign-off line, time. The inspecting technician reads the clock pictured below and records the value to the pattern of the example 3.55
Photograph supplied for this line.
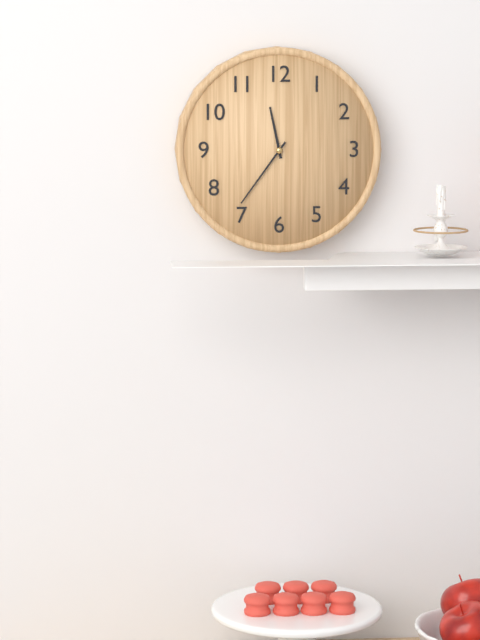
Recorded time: 11.36
